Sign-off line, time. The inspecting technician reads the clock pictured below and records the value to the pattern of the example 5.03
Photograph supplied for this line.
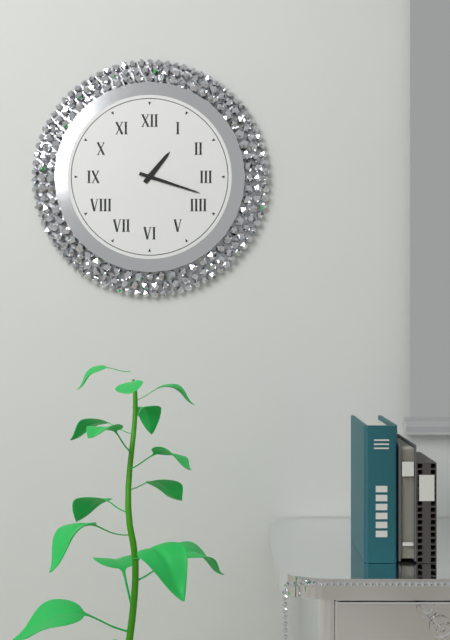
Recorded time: 1.18
